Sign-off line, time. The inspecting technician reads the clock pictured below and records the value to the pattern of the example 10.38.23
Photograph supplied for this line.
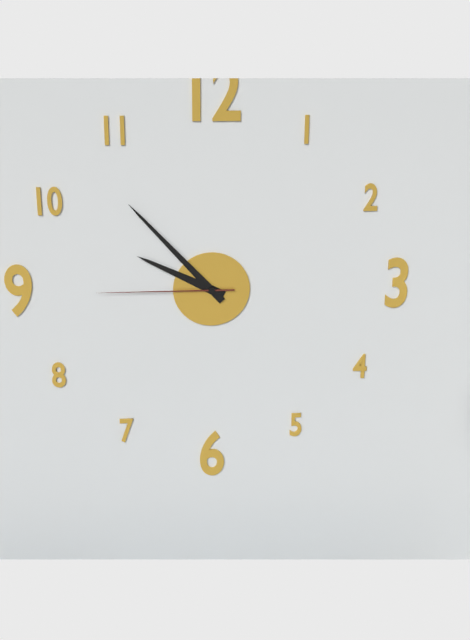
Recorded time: 9.53.45
